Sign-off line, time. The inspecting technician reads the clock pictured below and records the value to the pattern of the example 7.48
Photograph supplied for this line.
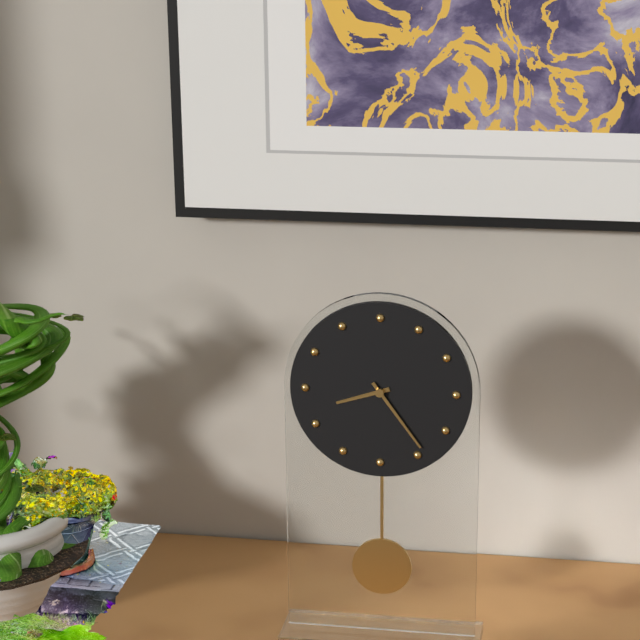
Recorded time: 8.24
